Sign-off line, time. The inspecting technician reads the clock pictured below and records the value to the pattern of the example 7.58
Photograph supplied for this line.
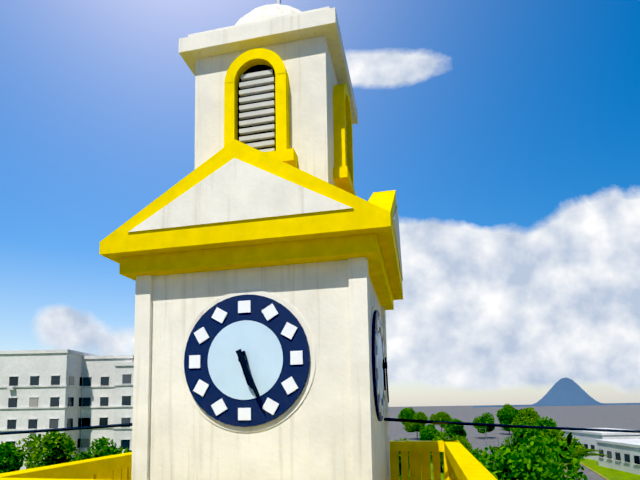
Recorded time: 5.26
